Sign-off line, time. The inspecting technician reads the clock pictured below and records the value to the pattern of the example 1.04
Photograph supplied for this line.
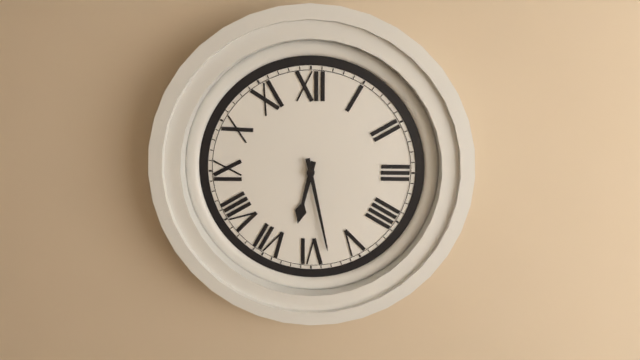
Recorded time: 6.28
